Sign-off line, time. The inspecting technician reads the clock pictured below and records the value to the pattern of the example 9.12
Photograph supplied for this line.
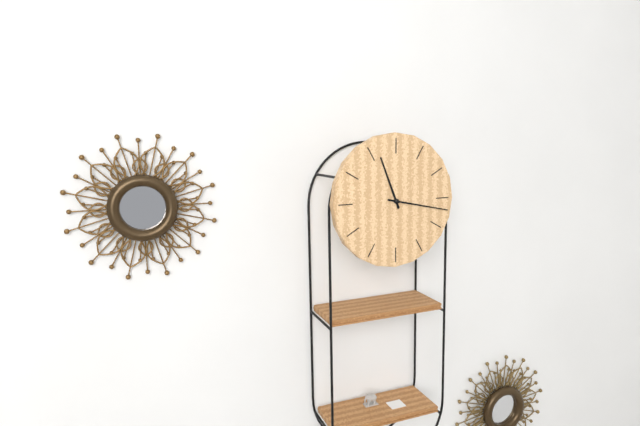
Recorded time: 11.17
